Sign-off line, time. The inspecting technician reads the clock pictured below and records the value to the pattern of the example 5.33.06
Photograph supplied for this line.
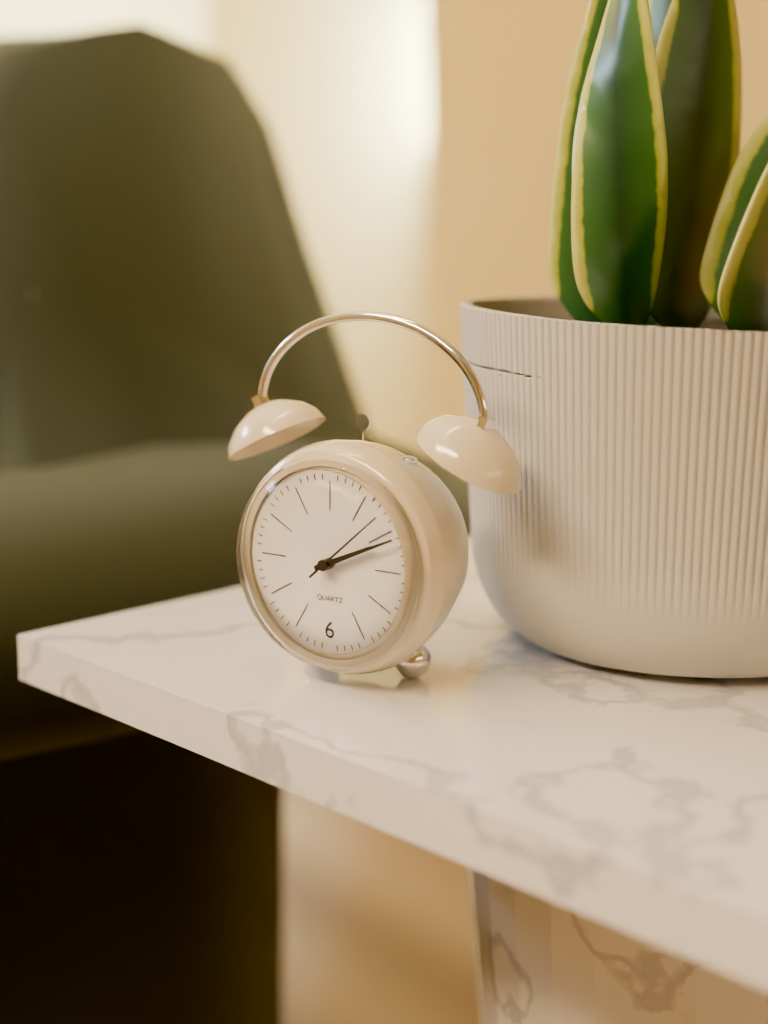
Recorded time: 2.11.08
